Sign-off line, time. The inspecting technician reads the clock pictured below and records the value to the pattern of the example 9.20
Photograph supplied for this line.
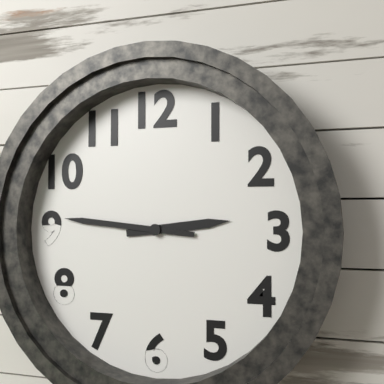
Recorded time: 2.46
